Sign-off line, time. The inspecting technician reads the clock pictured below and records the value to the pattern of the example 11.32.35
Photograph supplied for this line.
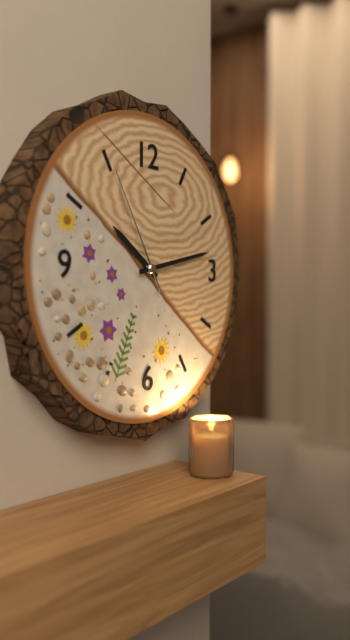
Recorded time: 10.13.55
